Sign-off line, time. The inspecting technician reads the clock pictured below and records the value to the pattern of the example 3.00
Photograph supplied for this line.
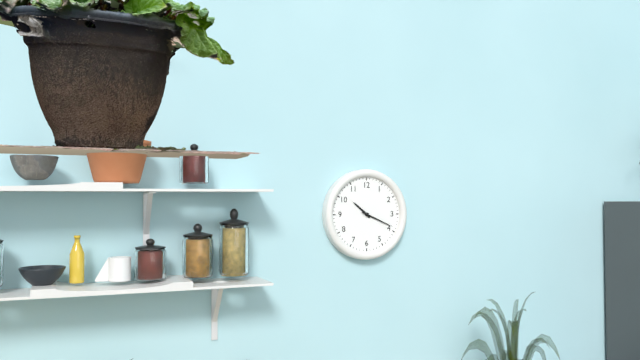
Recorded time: 10.19
